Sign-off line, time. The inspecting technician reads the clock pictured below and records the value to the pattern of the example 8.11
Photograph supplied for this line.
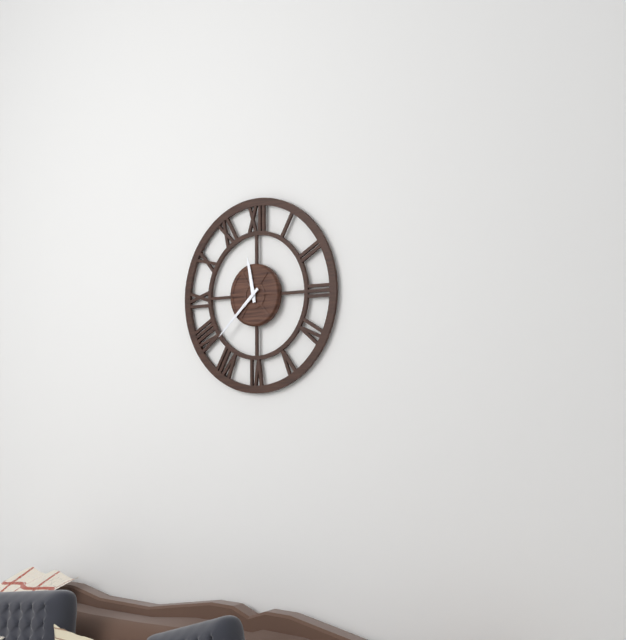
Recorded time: 11.38
